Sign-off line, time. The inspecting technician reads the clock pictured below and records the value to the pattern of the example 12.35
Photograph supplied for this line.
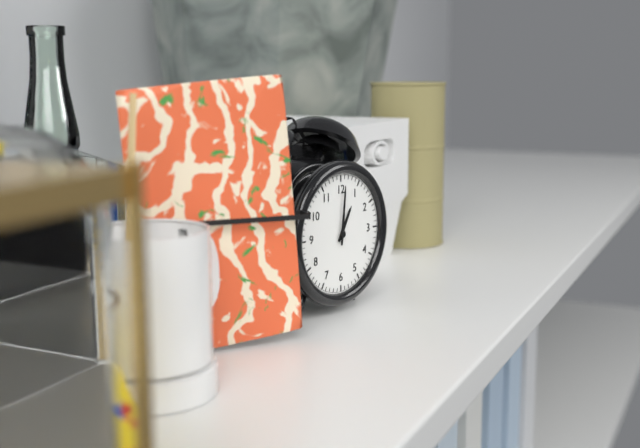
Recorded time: 1.01
